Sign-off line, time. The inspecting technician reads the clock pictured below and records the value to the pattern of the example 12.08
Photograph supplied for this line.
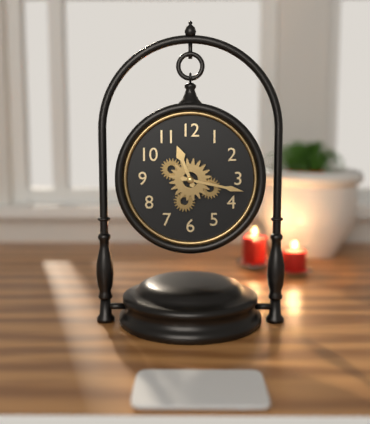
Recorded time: 11.17
